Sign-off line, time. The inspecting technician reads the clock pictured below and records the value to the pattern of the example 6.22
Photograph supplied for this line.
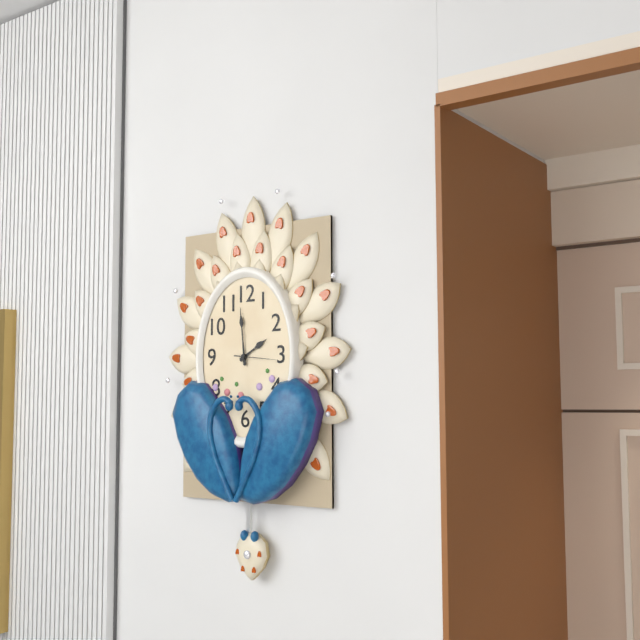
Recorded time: 1.59
